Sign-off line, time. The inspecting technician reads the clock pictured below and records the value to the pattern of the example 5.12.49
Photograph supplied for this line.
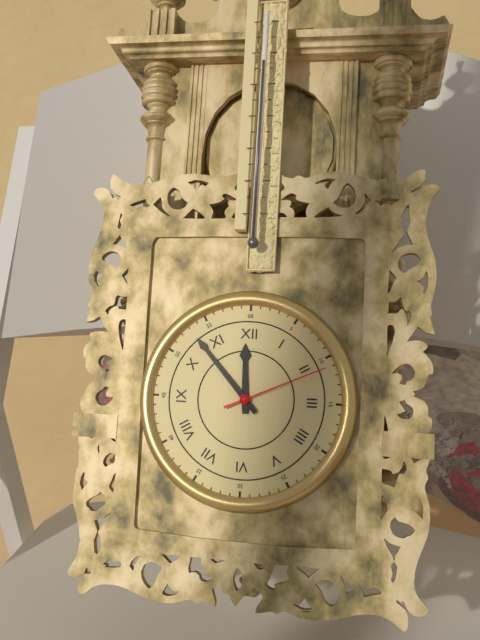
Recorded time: 11.53.11
